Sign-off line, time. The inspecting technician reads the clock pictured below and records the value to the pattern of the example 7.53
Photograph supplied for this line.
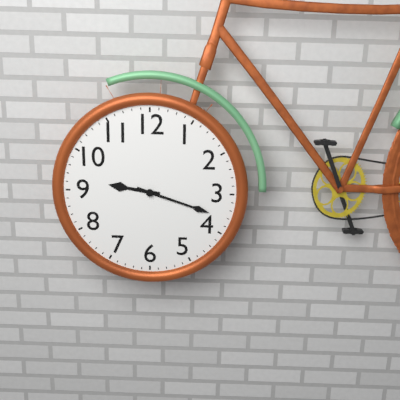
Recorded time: 9.18
